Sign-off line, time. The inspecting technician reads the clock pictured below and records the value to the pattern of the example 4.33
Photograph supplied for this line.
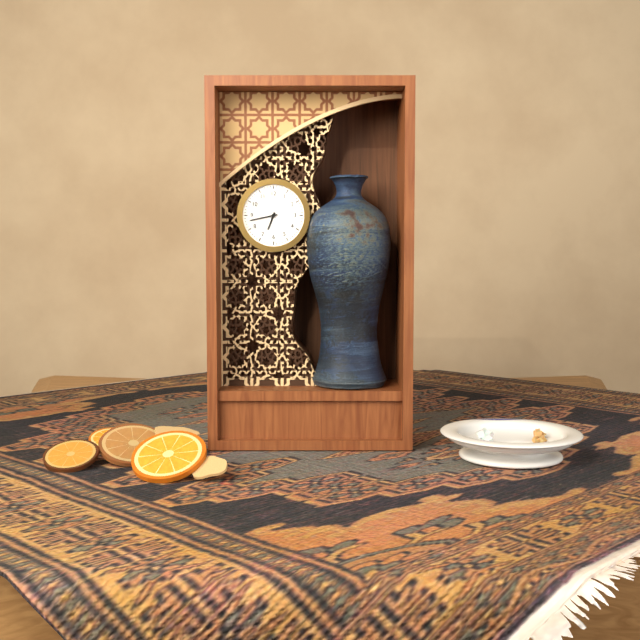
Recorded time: 6.43
